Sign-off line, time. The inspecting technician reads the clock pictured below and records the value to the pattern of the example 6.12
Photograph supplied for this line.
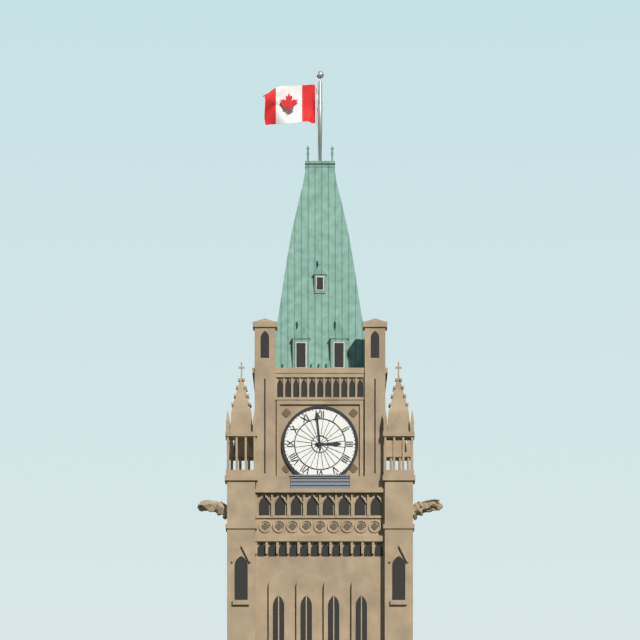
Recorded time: 2.59
